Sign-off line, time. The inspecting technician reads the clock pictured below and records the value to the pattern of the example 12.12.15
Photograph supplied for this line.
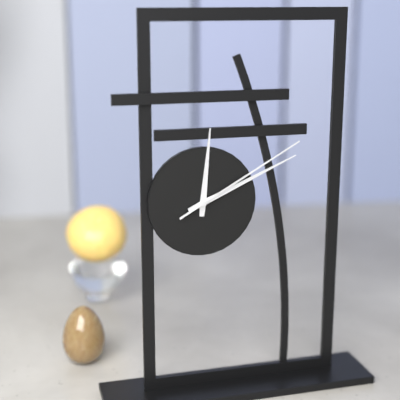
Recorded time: 12.11.10
